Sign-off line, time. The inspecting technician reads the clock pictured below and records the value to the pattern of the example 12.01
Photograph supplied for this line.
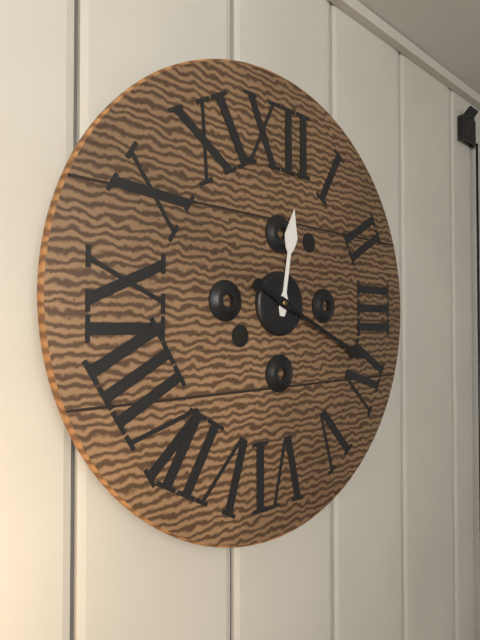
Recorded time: 12.19
